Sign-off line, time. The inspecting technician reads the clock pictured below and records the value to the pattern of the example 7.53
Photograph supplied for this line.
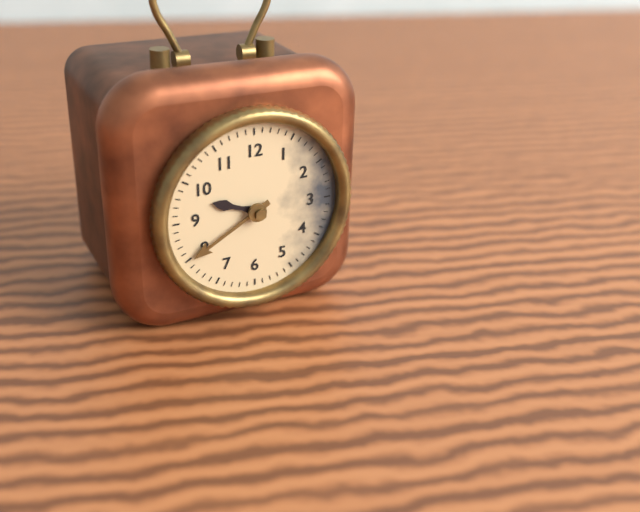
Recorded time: 9.40
